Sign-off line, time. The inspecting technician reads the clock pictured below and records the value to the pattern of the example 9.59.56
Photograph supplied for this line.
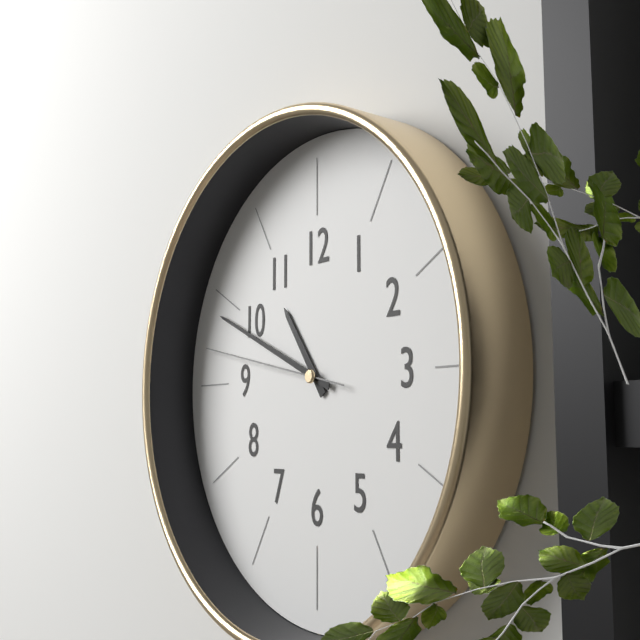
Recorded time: 10.49.47
